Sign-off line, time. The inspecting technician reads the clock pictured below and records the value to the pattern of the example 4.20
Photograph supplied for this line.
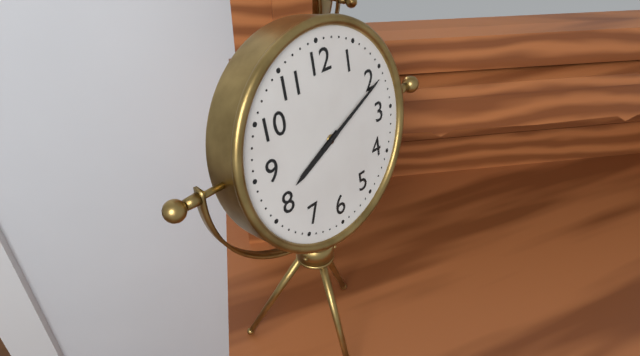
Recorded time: 8.11
